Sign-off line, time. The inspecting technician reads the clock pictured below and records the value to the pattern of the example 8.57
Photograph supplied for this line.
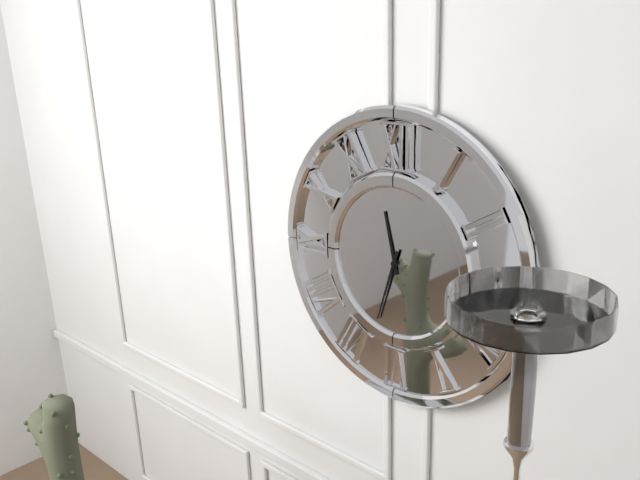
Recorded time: 11.33
